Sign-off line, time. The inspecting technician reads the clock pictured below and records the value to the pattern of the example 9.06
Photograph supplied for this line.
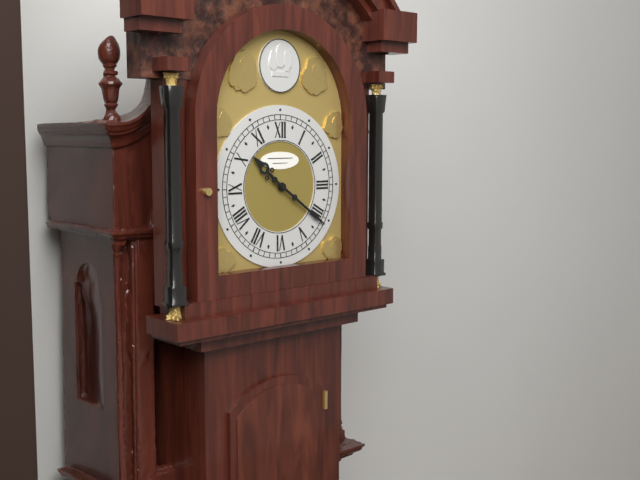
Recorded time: 10.21
